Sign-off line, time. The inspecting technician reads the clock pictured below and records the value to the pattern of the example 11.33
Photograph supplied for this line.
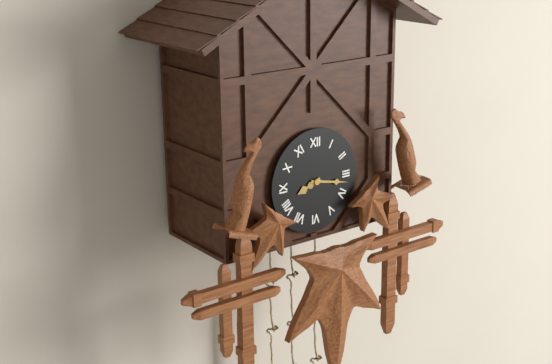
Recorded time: 8.17
